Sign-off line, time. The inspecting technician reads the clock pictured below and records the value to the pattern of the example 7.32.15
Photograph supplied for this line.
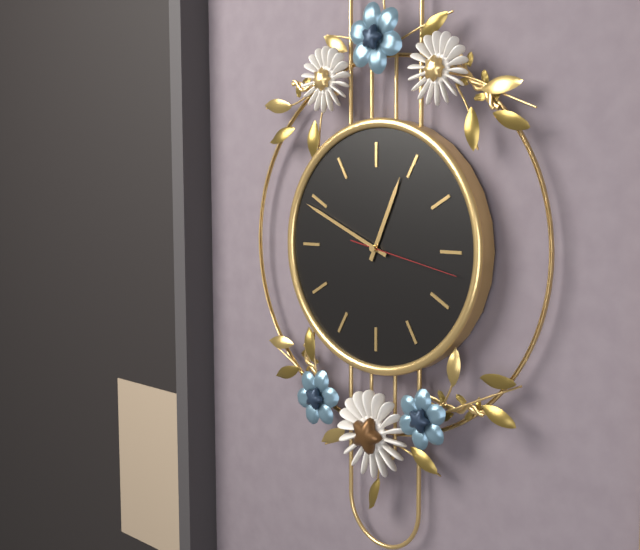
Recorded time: 12.49.17
